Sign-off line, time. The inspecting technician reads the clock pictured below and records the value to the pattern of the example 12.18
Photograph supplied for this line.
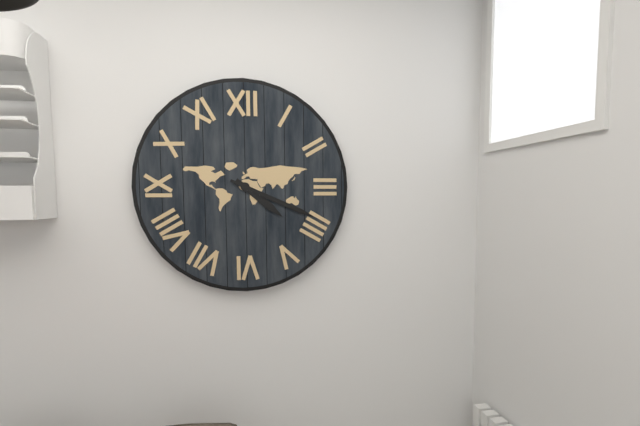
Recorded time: 4.19
